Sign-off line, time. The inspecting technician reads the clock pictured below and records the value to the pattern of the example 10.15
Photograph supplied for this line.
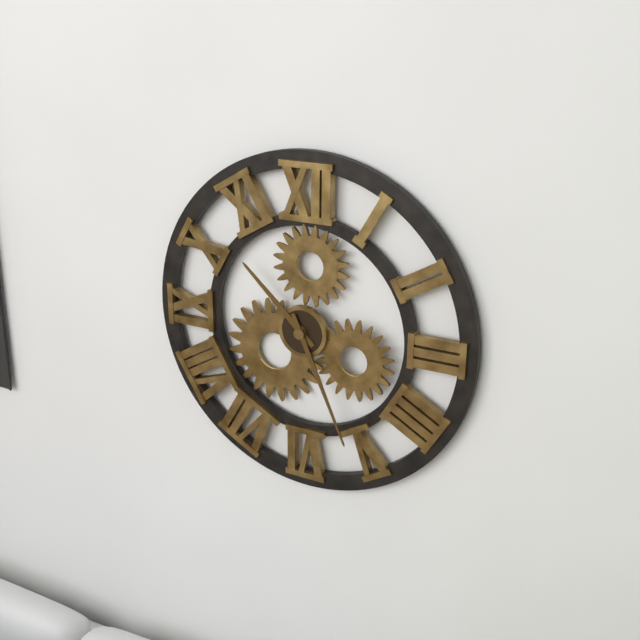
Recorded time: 10.26
